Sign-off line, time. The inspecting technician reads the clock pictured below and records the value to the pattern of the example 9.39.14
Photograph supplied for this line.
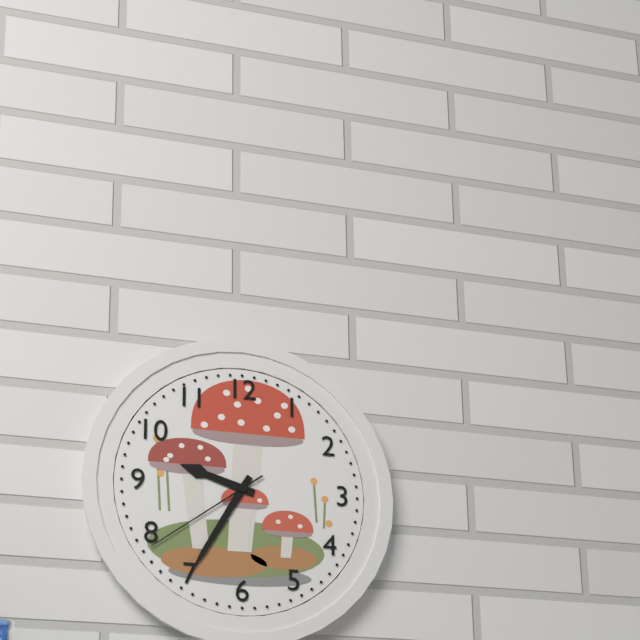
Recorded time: 9.35.39
